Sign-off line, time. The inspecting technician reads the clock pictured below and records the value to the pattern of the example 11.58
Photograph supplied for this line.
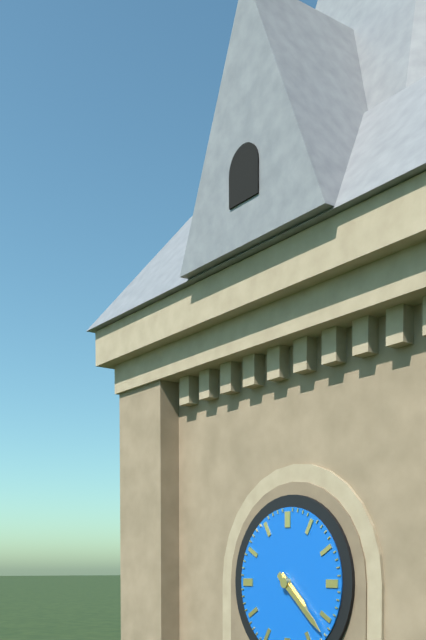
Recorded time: 4.22
